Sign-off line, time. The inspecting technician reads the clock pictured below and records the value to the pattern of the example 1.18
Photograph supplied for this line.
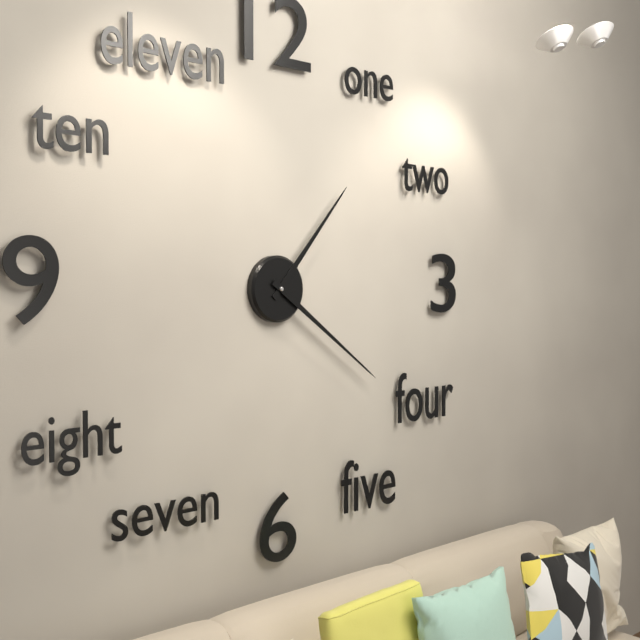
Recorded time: 1.21
